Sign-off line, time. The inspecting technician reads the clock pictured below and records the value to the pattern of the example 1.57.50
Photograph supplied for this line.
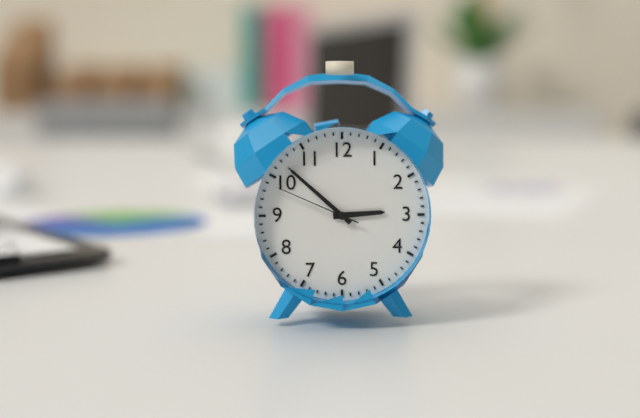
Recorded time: 2.52.49
